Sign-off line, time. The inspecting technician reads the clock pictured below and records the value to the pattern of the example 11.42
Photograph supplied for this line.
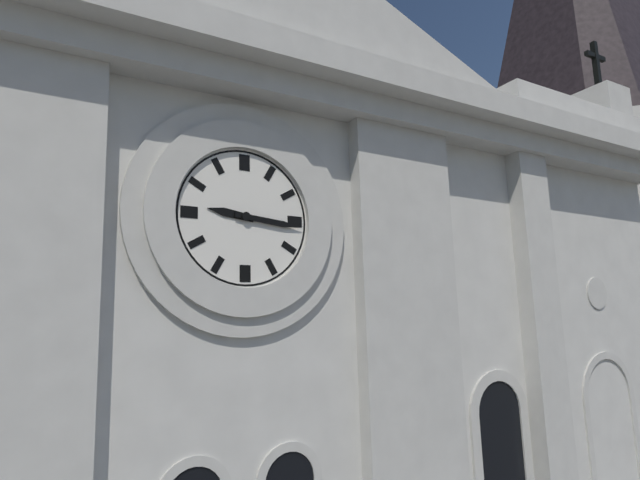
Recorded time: 9.16
